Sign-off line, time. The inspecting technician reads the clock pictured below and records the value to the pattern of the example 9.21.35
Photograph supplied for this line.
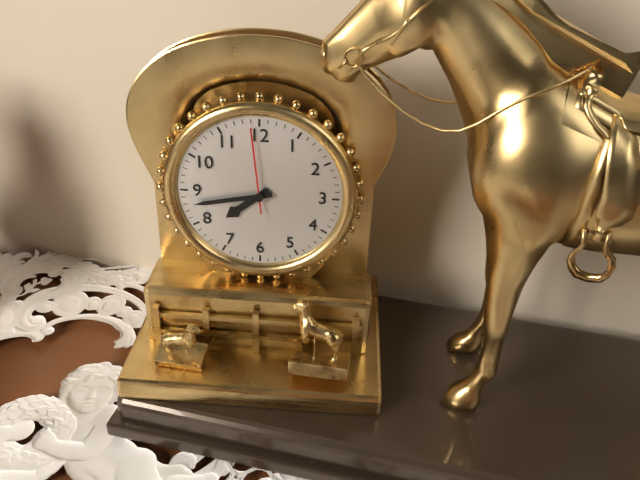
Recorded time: 7.43.59
